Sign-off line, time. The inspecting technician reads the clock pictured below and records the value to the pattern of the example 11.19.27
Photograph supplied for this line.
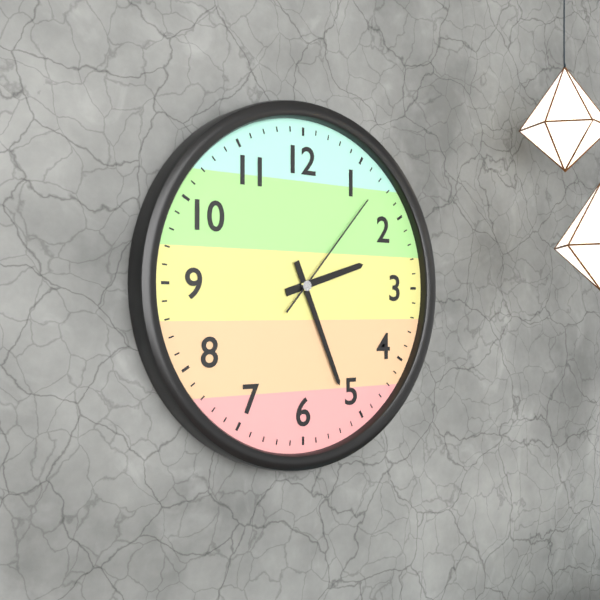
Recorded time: 2.26.07
